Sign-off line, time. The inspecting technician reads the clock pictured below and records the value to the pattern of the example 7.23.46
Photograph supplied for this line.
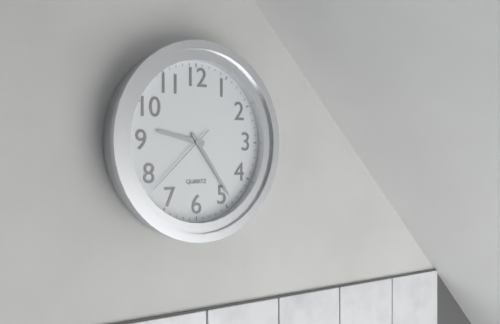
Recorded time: 9.24.38
